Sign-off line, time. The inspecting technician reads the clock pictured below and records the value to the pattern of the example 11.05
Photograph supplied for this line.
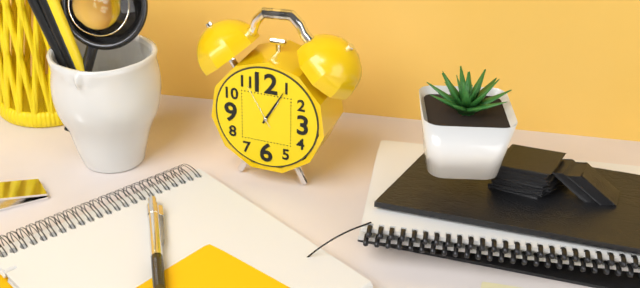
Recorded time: 1.05
